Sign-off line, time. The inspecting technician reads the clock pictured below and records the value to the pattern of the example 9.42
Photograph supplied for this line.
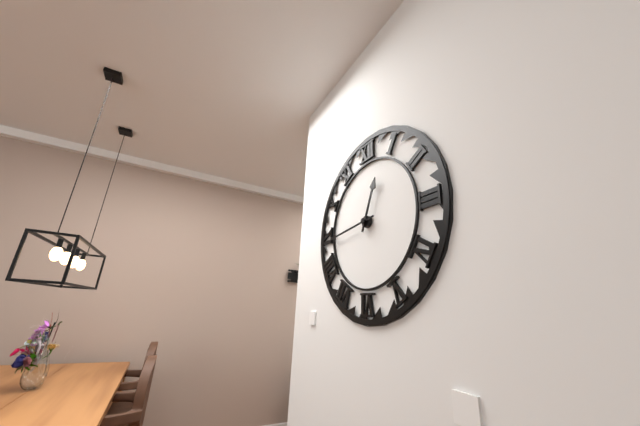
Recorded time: 12.44
